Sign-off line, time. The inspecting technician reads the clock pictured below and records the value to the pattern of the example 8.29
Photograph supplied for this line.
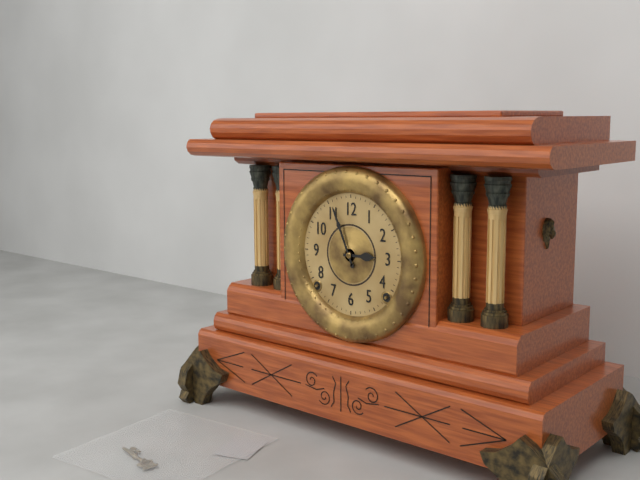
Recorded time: 2.56
